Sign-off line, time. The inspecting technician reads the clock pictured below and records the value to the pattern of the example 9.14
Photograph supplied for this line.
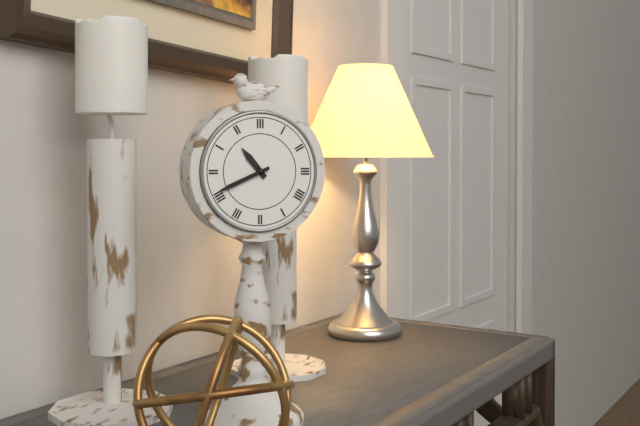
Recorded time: 10.41
